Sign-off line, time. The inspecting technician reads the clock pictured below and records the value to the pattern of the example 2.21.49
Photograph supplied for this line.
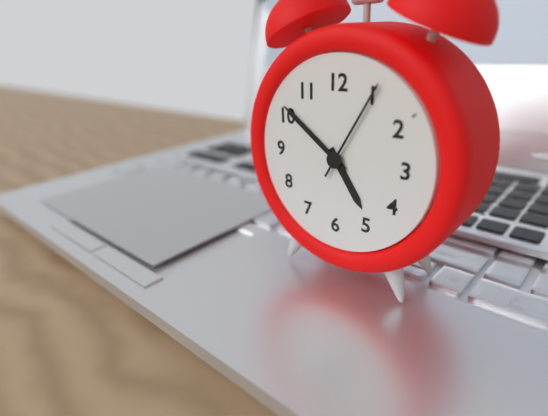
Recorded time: 4.51.05
